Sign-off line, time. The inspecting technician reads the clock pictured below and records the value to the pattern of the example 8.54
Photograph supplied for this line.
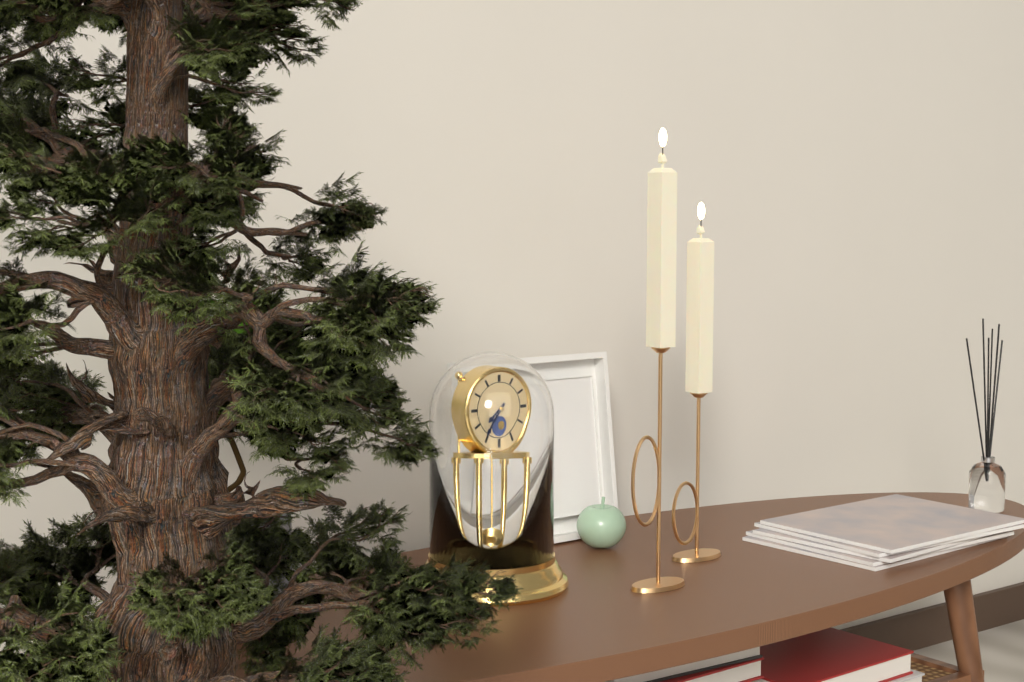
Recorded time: 7.36
